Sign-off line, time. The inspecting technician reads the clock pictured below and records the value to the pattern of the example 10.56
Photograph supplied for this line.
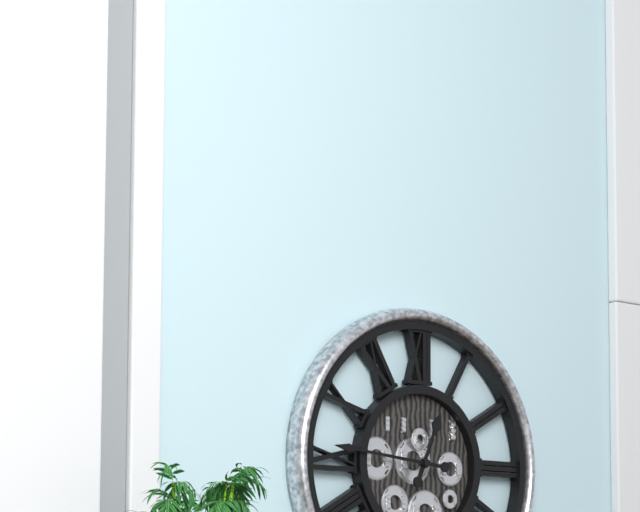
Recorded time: 12.46
